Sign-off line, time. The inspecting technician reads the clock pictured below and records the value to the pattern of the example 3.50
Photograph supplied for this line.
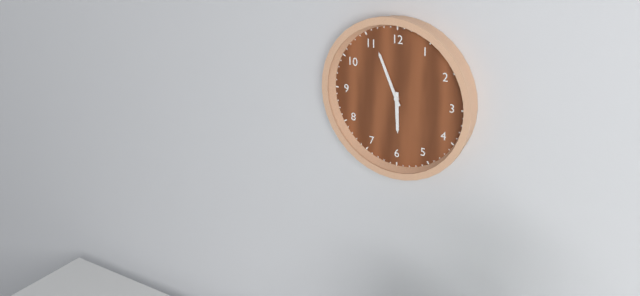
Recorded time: 5.56
